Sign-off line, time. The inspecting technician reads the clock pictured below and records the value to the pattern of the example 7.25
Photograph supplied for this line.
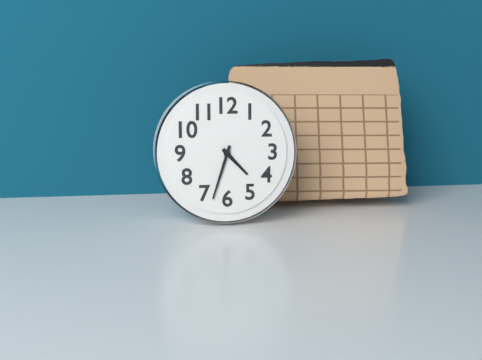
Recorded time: 4.33
